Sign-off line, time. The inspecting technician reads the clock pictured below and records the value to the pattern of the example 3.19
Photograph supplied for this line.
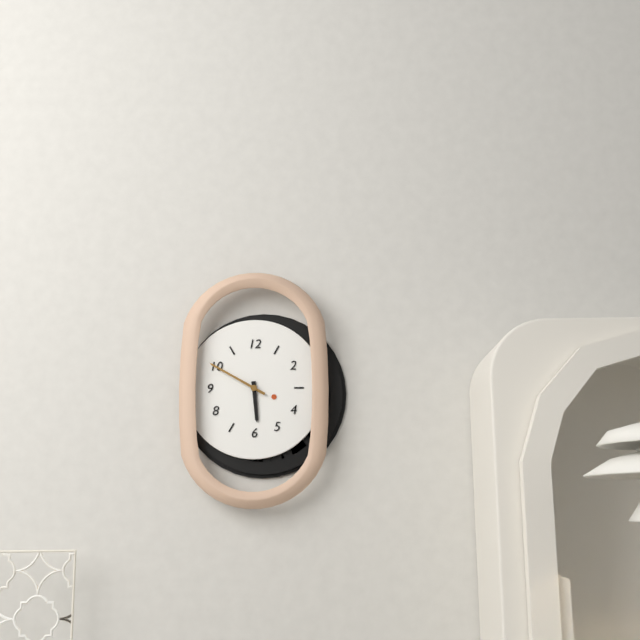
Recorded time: 5.50
